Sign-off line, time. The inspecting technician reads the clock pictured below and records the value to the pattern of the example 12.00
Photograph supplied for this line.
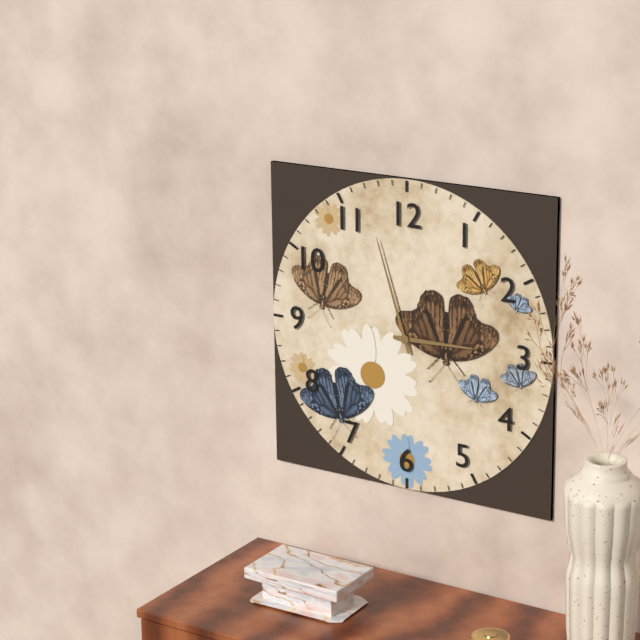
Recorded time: 2.57
